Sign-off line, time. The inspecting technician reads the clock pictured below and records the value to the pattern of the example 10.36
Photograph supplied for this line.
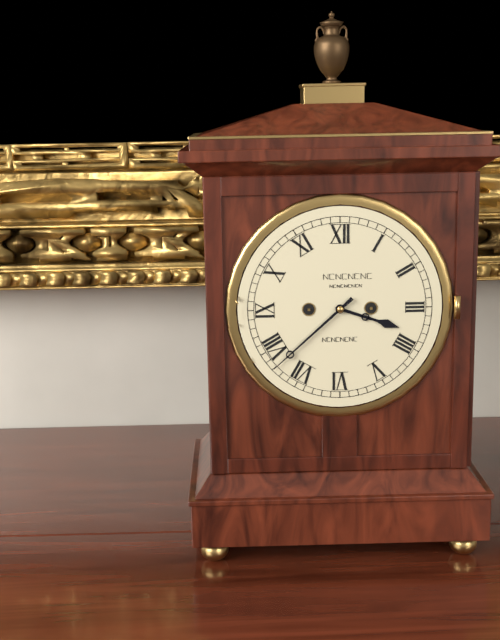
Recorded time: 3.38
